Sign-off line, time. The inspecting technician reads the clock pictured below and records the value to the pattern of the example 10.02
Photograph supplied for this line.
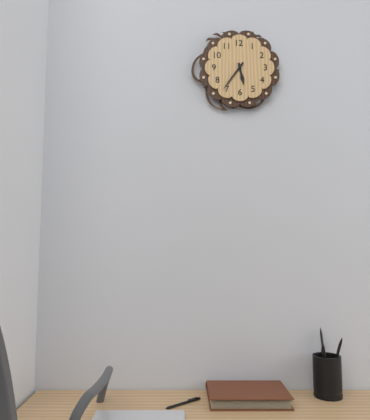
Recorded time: 5.36
